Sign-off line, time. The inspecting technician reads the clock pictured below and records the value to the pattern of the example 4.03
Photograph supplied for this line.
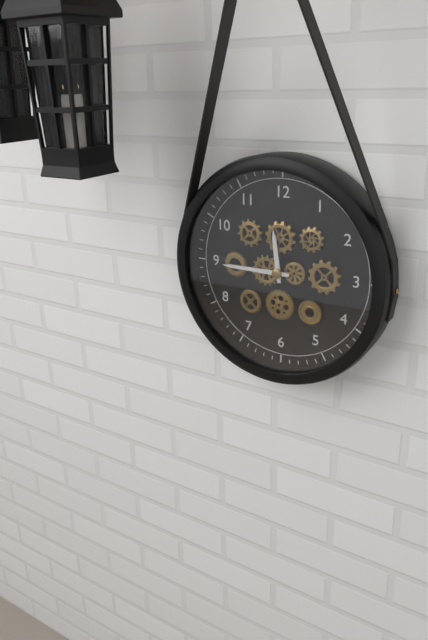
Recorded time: 11.45
